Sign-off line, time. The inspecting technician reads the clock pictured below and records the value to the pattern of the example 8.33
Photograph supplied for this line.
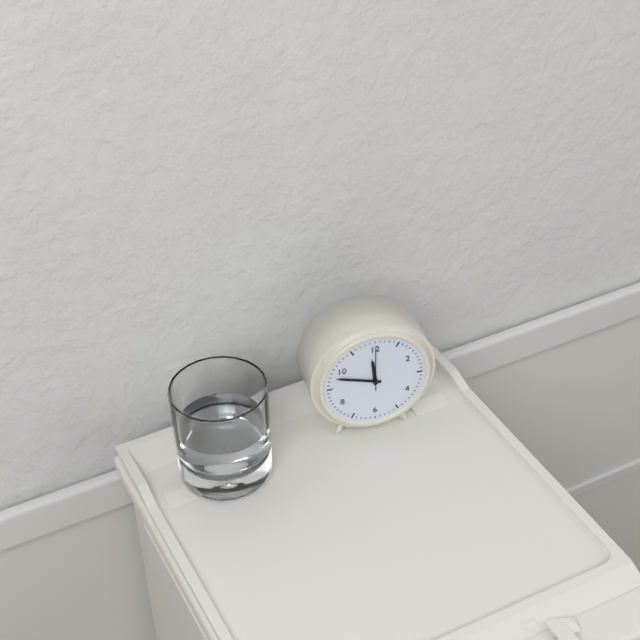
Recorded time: 11.48
